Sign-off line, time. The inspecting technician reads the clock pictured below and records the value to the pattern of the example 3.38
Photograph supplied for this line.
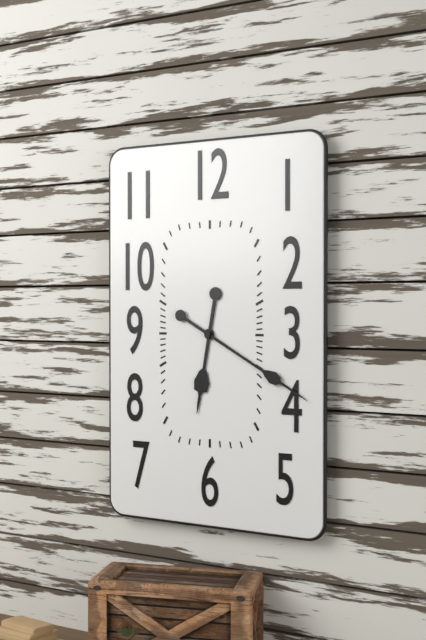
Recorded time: 6.20
